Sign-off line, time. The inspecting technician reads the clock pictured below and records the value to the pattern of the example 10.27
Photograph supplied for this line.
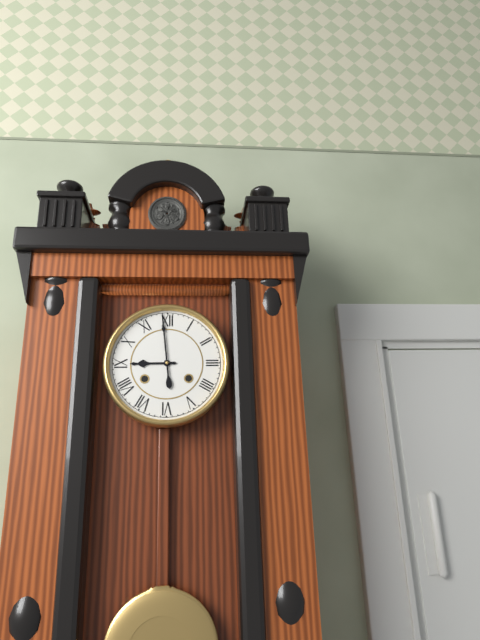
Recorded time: 8.59
